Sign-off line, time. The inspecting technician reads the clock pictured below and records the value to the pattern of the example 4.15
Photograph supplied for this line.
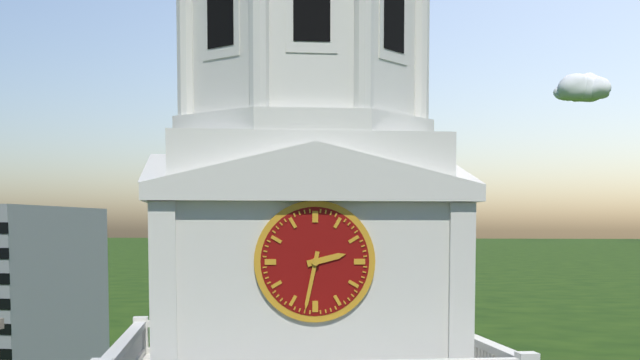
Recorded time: 2.32
